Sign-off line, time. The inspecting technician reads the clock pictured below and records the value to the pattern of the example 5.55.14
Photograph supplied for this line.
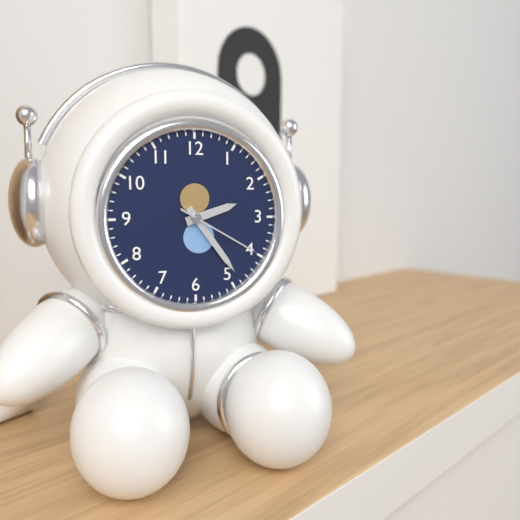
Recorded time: 2.24.20
